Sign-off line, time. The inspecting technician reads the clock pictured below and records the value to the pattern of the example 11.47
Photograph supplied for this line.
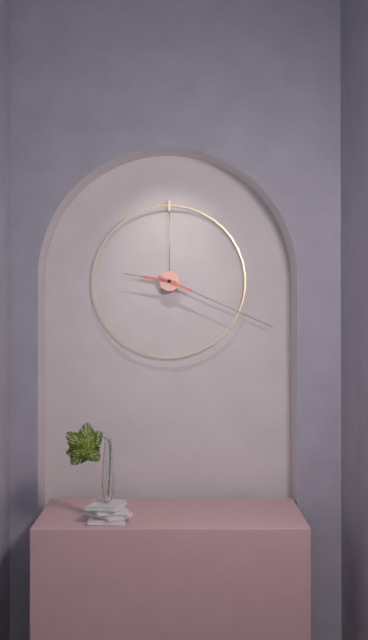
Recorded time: 9.19
